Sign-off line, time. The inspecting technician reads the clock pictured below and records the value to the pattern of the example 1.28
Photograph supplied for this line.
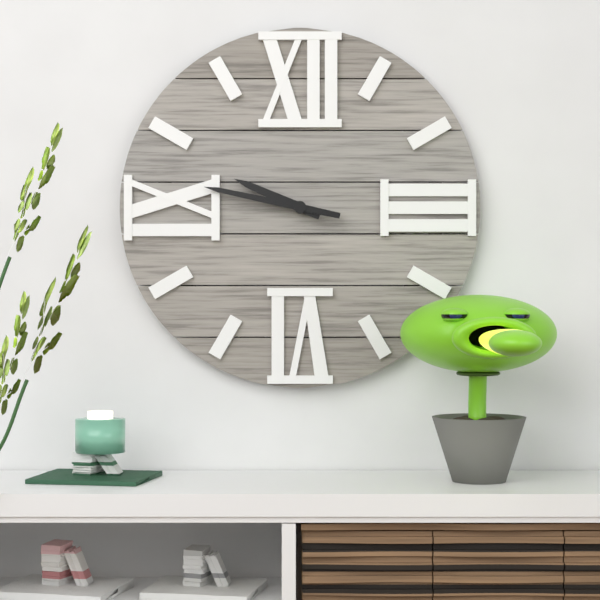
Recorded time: 9.47
